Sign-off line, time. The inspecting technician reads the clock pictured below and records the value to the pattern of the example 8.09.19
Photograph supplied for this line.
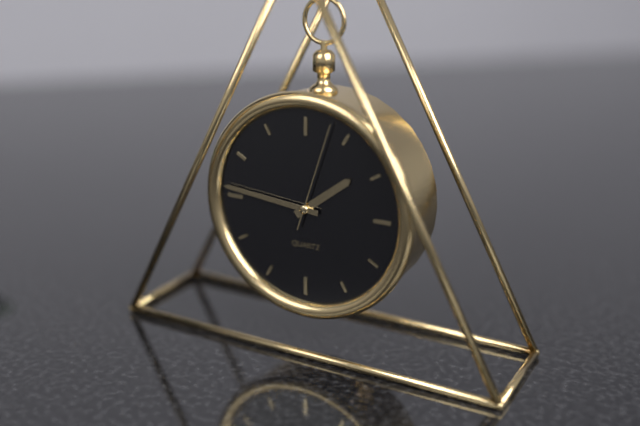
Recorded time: 1.46.03
